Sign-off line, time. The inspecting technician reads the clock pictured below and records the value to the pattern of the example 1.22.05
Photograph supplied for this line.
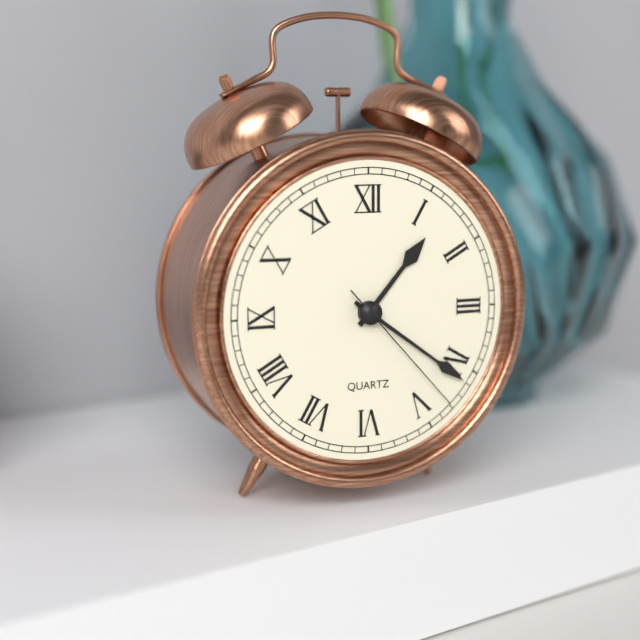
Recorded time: 1.21.23
